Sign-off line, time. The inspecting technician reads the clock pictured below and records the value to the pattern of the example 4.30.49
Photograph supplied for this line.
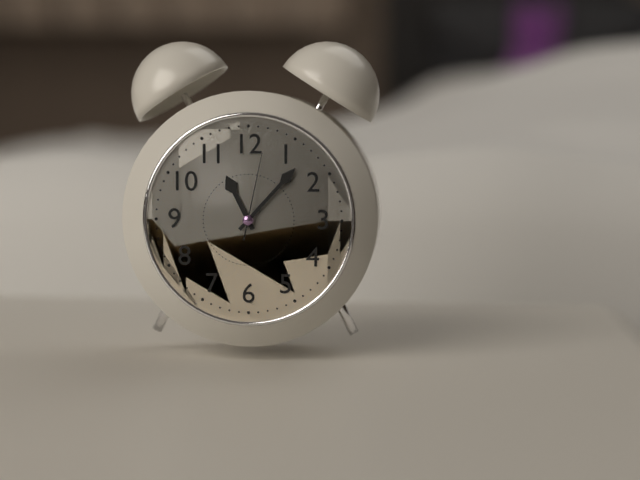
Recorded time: 11.07.02
